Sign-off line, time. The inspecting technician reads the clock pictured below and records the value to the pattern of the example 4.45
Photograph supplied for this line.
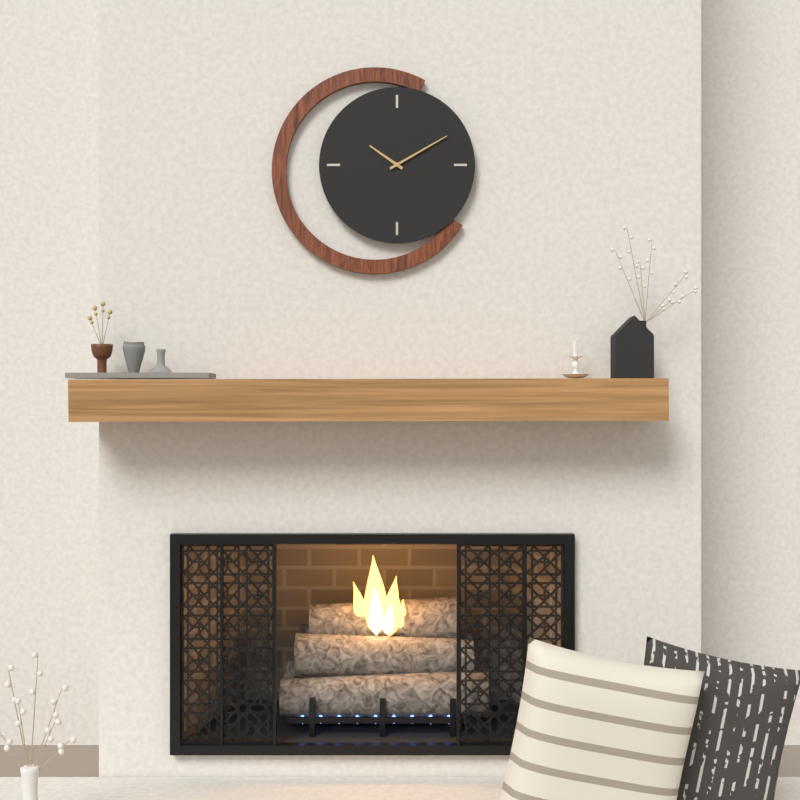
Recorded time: 10.10
